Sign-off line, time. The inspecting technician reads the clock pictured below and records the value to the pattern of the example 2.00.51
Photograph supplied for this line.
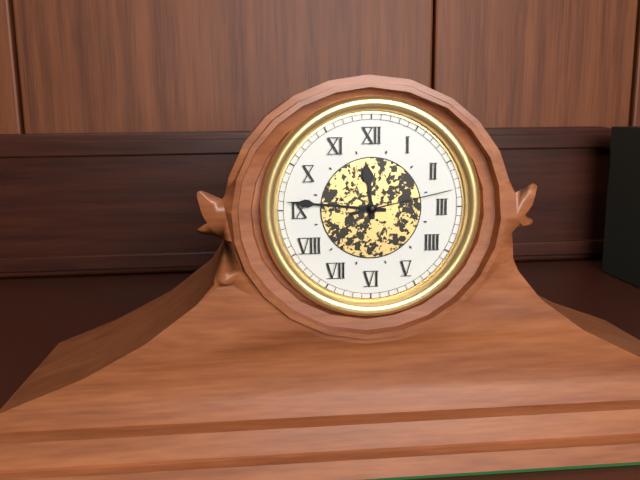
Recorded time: 11.46.13
